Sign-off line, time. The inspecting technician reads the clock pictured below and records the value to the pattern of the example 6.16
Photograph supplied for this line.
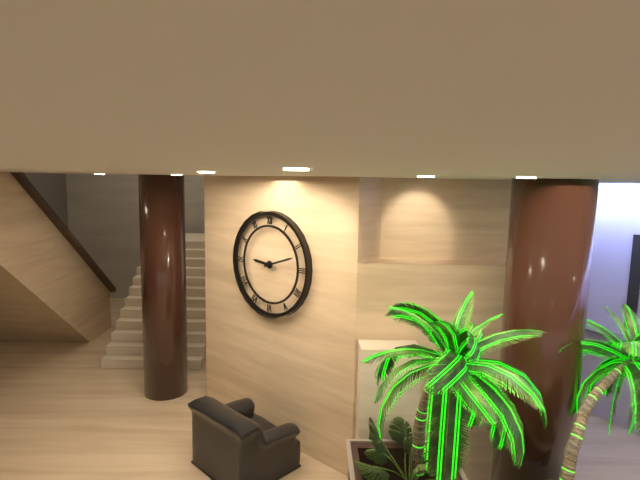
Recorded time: 9.12
